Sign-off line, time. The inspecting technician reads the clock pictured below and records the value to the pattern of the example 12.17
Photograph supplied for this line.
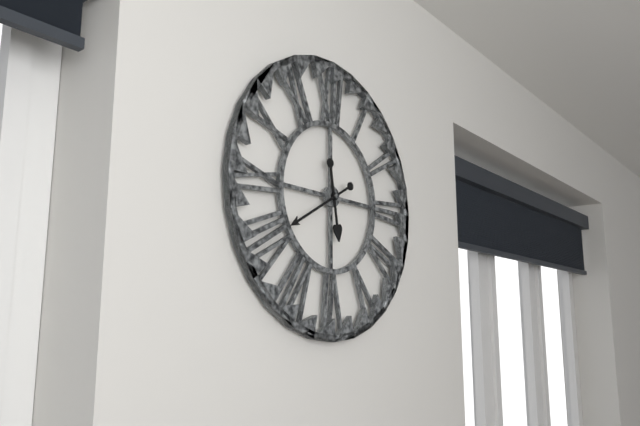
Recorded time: 5.40
